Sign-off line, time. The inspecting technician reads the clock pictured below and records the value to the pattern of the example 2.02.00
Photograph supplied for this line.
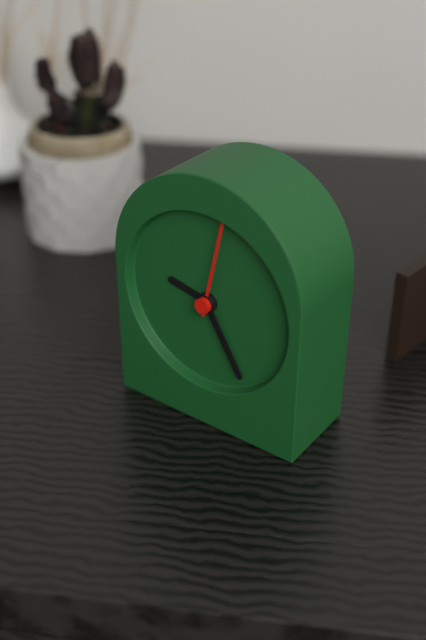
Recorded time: 9.25.02
